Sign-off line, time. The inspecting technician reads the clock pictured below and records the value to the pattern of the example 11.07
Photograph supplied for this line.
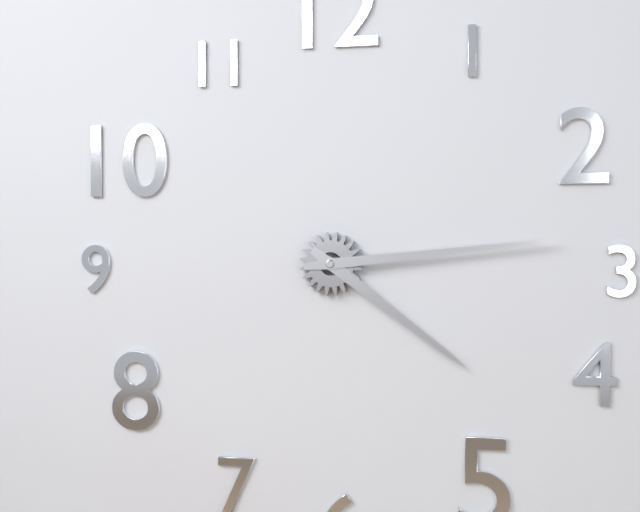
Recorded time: 4.14
